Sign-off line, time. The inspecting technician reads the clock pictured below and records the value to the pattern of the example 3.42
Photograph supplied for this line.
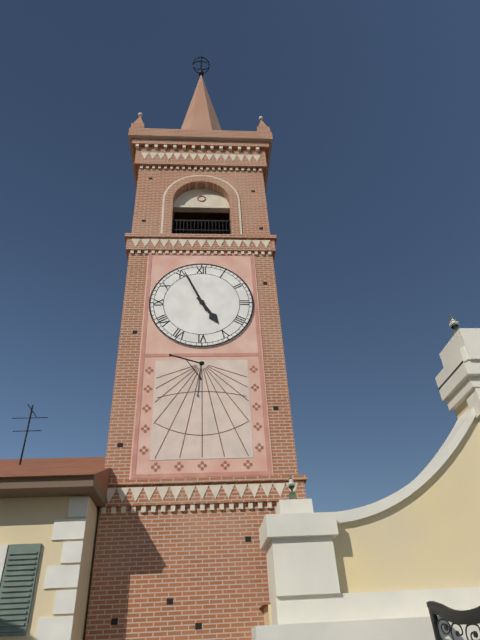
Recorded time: 4.56
